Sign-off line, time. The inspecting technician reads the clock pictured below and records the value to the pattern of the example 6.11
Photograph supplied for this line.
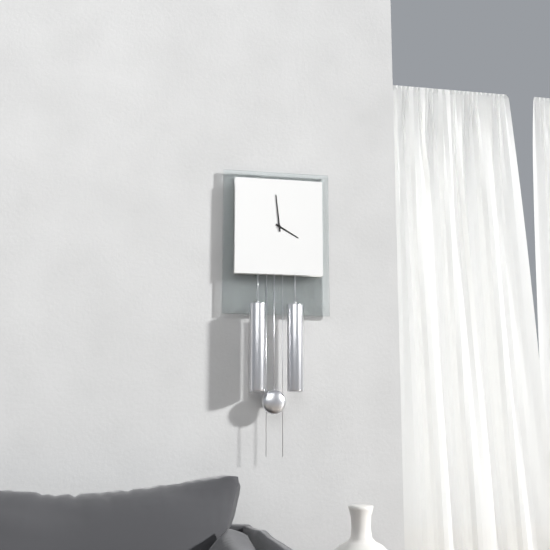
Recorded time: 3.59
